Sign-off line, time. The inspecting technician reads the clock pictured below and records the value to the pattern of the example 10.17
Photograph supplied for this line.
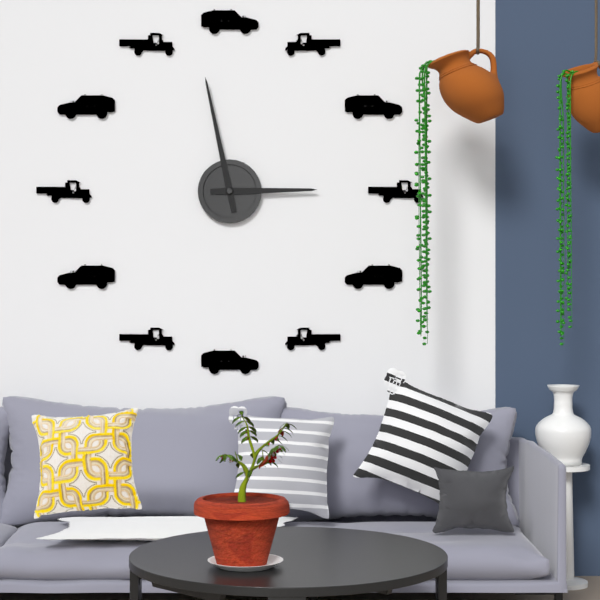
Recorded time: 2.58
